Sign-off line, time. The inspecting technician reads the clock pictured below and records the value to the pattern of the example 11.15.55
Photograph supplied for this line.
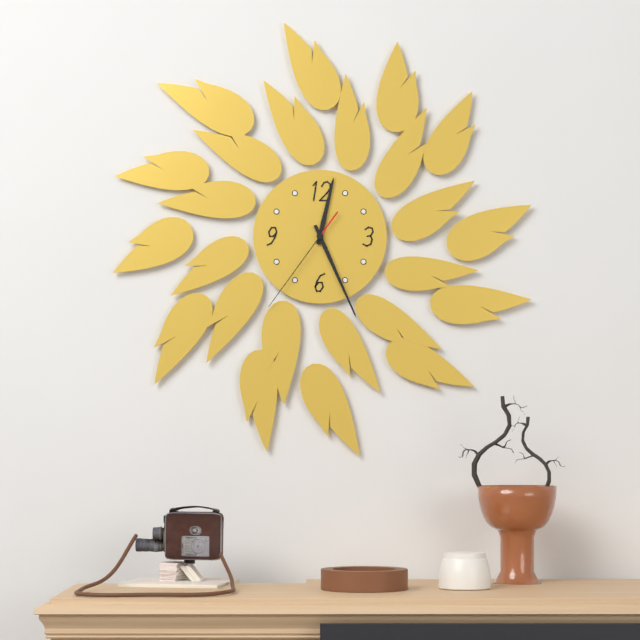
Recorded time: 12.26.36
